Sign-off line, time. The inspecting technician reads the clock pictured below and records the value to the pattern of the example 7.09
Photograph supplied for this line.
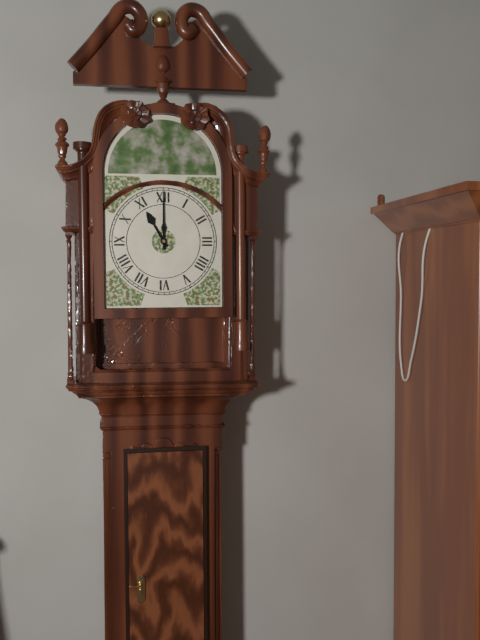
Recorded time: 11.00
